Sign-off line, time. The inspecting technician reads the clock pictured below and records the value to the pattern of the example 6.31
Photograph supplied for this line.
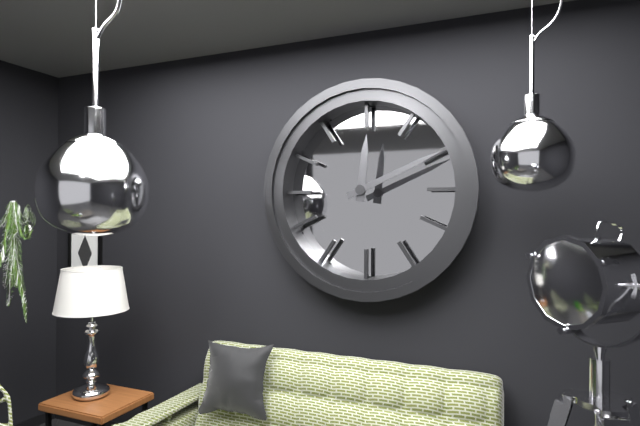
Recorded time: 12.11
